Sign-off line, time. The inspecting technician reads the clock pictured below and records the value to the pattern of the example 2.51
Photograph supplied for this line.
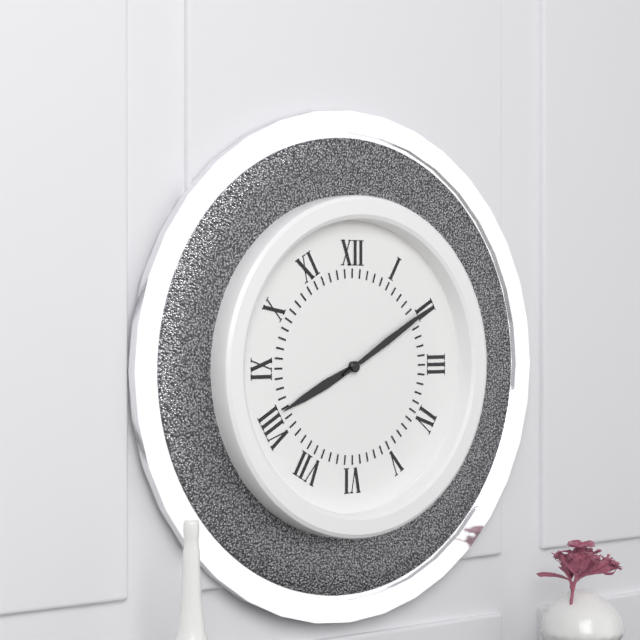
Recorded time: 8.10
